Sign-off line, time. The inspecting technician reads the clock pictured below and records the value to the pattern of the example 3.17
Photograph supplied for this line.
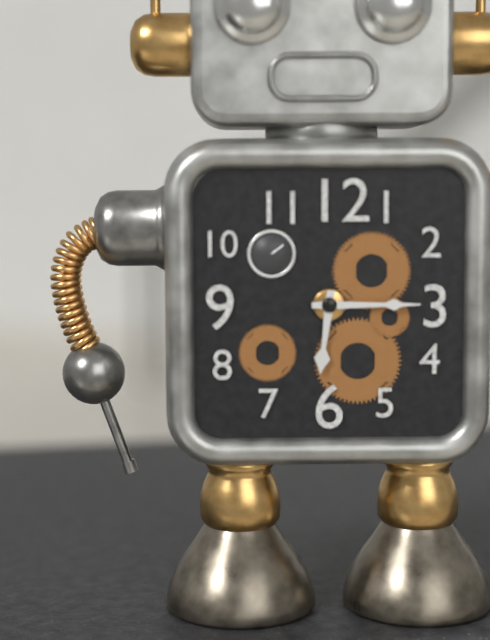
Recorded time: 6.15
